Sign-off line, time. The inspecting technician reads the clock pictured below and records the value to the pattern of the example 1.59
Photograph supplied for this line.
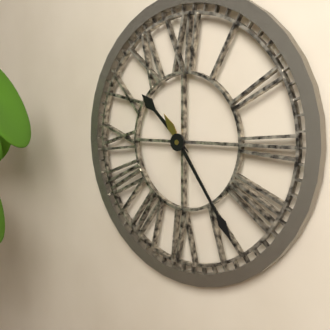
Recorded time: 10.24
